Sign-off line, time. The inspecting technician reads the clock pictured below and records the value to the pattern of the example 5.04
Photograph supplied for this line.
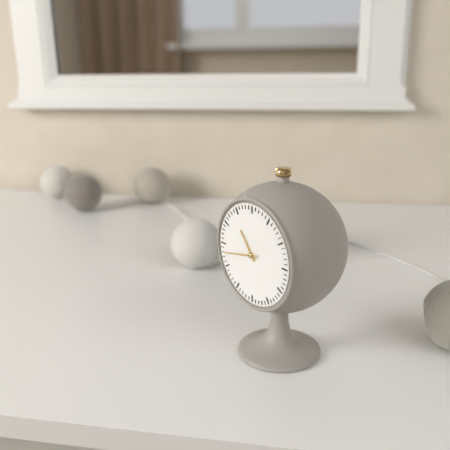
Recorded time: 10.43
